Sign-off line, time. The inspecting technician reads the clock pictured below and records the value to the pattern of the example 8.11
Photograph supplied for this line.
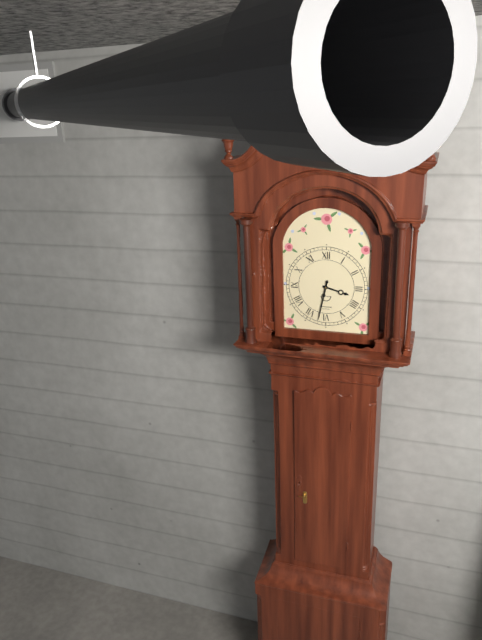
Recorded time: 3.32
